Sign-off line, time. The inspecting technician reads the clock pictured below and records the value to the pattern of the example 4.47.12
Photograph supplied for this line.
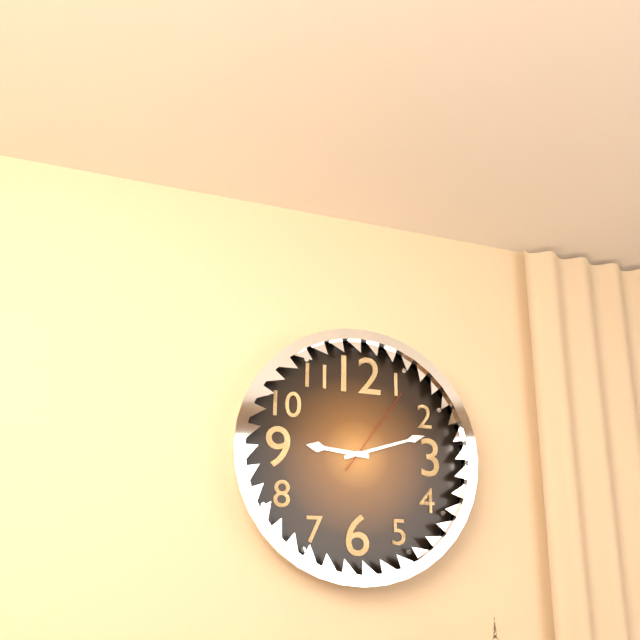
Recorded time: 9.12.06
